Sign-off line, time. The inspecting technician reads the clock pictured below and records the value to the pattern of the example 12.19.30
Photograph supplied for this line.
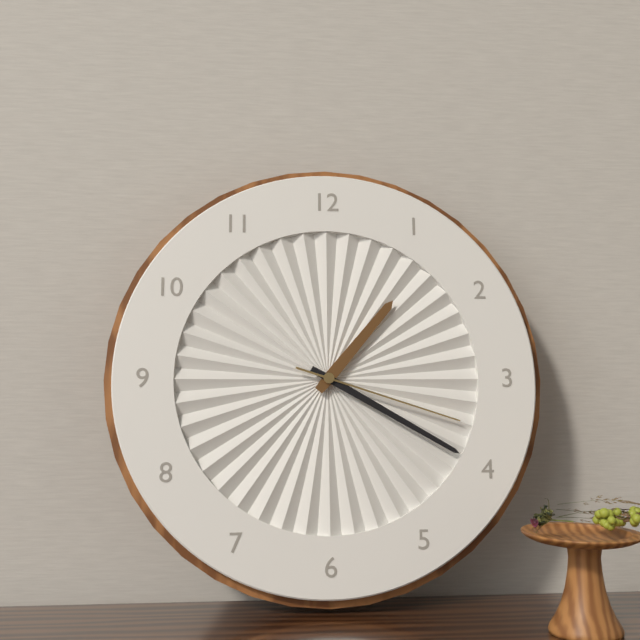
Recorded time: 1.20.18
